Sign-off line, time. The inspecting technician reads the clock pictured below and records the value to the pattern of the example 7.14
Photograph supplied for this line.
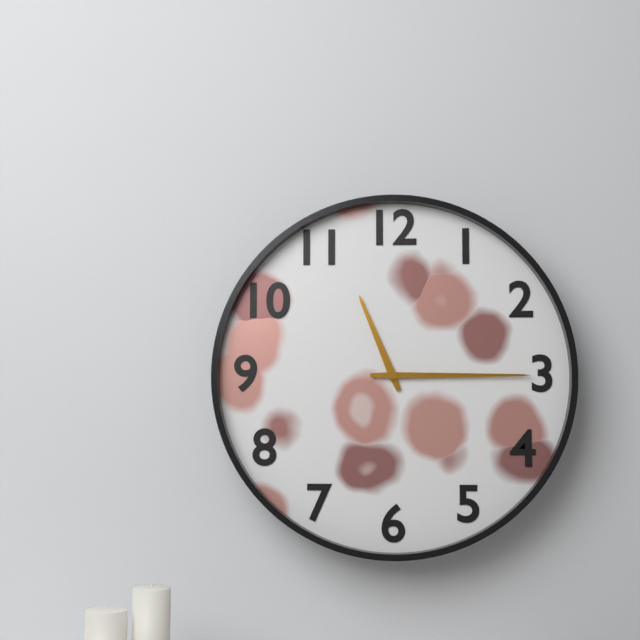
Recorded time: 11.15
